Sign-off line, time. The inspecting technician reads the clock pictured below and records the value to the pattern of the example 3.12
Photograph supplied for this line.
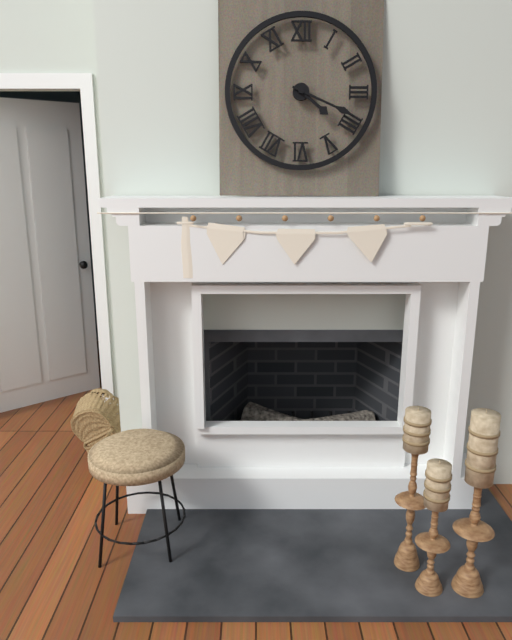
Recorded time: 4.19
